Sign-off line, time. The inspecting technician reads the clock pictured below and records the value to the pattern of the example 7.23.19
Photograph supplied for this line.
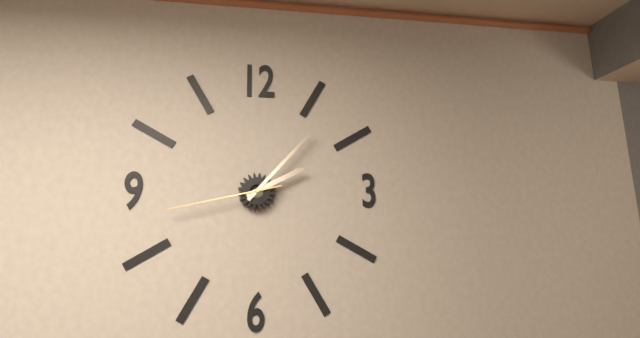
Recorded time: 2.07.43
